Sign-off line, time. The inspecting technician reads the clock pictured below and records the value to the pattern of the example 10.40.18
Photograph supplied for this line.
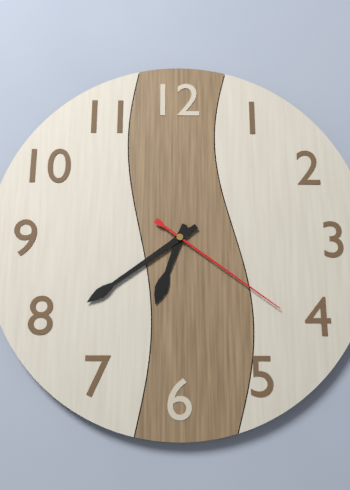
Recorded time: 6.39.21
